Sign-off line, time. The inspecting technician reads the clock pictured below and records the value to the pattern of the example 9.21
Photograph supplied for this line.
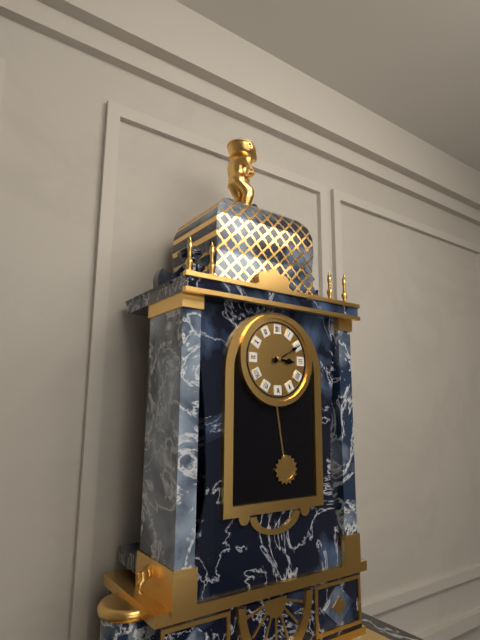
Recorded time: 3.10
